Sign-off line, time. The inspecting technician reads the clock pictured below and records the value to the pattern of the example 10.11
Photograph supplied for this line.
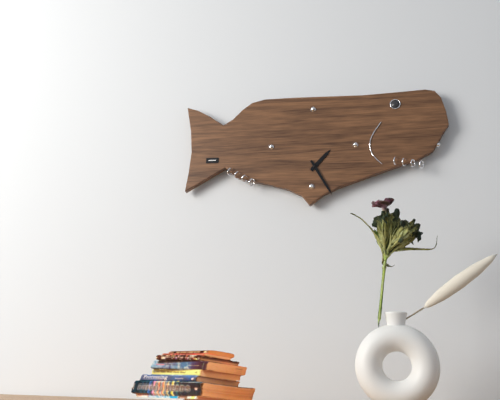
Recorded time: 1.25
